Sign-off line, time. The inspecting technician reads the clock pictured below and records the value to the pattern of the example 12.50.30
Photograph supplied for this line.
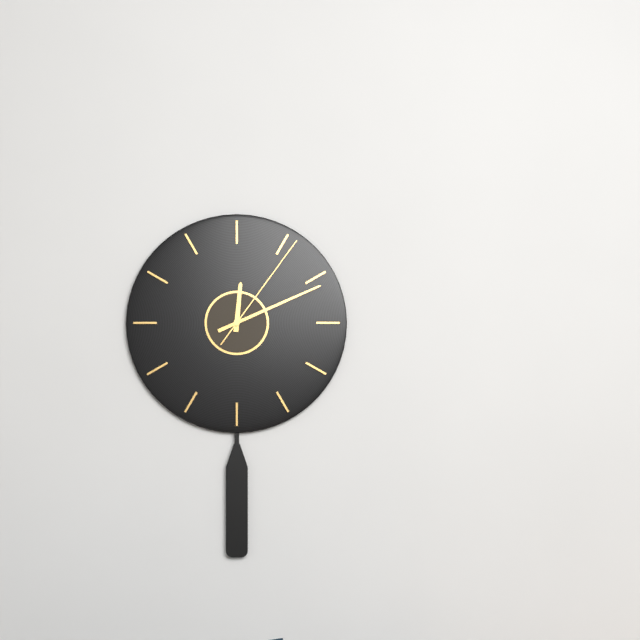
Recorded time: 12.11.06
